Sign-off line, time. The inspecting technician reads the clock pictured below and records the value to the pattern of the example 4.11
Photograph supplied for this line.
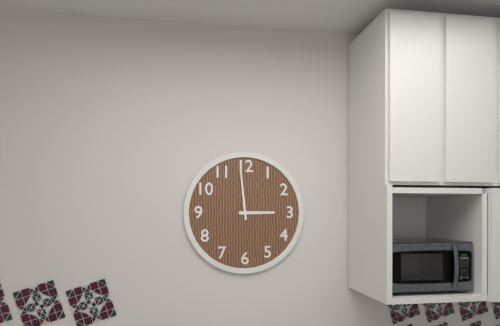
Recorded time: 2.59
